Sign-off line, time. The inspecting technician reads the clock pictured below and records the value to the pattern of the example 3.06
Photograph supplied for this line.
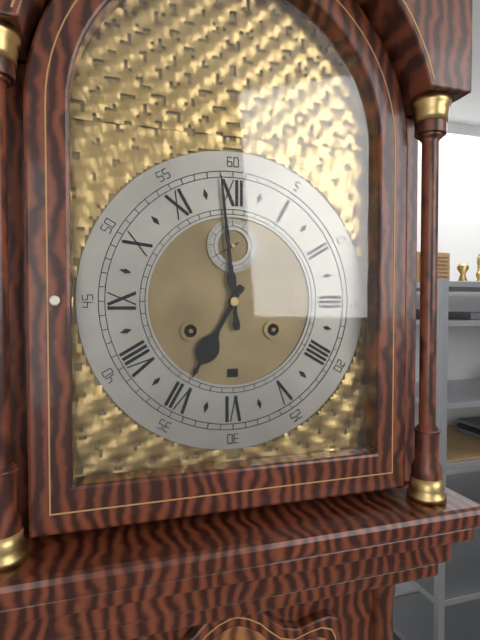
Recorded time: 6.59
